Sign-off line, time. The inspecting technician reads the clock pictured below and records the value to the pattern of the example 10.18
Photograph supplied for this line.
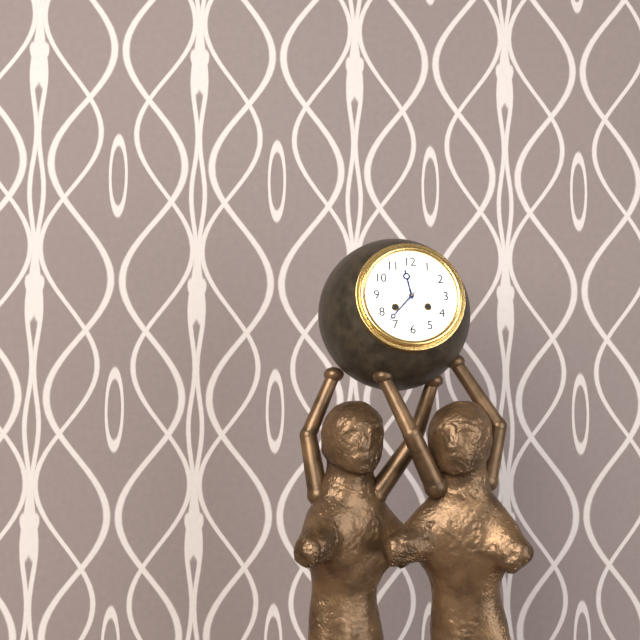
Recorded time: 11.37
